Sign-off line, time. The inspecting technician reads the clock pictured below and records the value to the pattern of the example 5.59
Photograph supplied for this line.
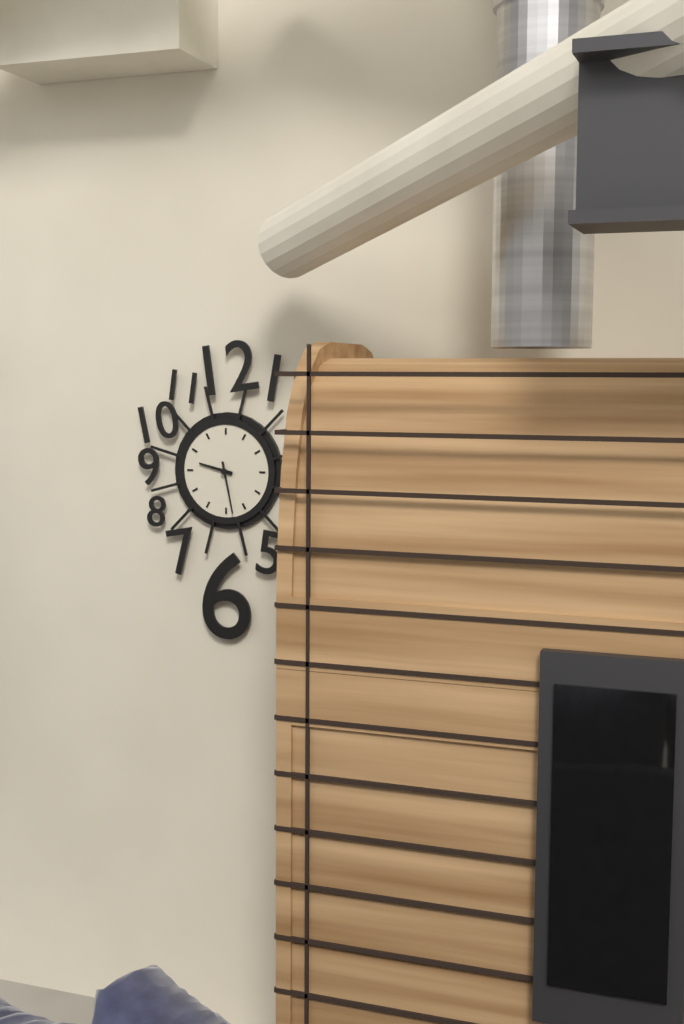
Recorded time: 9.28
